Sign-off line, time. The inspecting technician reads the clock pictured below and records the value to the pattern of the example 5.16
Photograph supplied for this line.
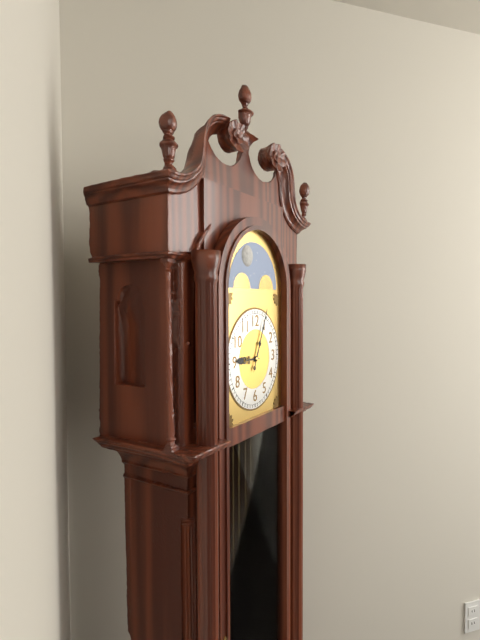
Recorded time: 9.04
